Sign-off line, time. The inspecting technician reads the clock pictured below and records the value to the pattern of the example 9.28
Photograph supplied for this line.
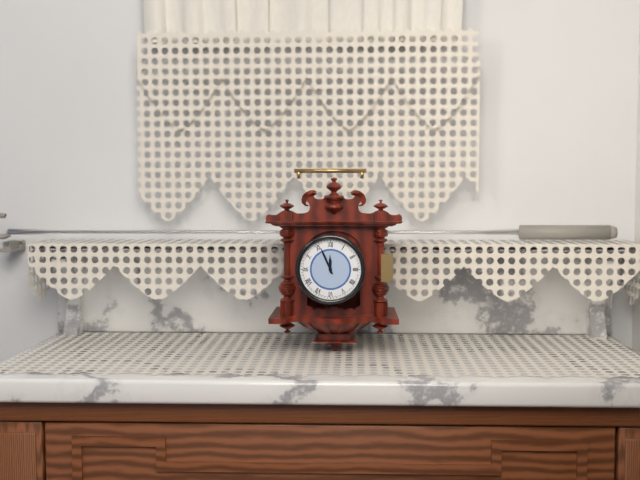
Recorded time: 11.56
